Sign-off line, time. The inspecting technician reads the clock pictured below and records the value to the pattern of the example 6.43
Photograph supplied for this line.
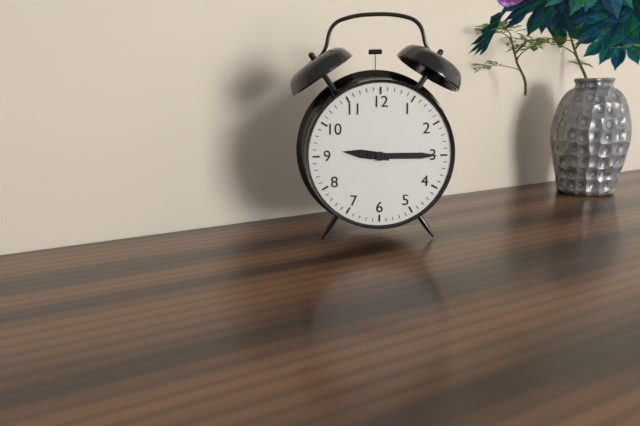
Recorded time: 9.15
